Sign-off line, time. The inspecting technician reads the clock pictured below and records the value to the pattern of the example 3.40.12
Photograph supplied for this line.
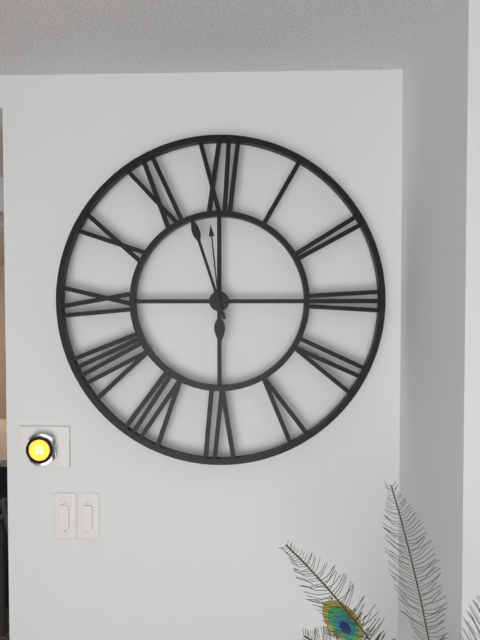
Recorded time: 5.57.59
